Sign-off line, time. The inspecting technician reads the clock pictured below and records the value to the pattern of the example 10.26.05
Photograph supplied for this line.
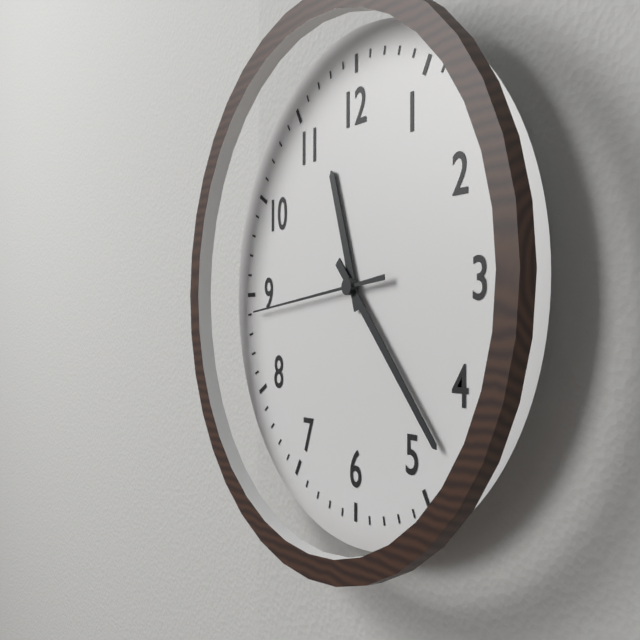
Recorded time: 11.23.44
